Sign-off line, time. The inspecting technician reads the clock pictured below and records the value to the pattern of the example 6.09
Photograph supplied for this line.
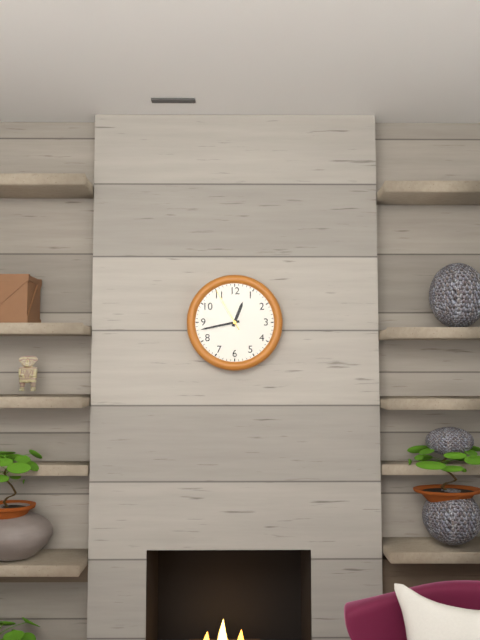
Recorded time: 12.43
